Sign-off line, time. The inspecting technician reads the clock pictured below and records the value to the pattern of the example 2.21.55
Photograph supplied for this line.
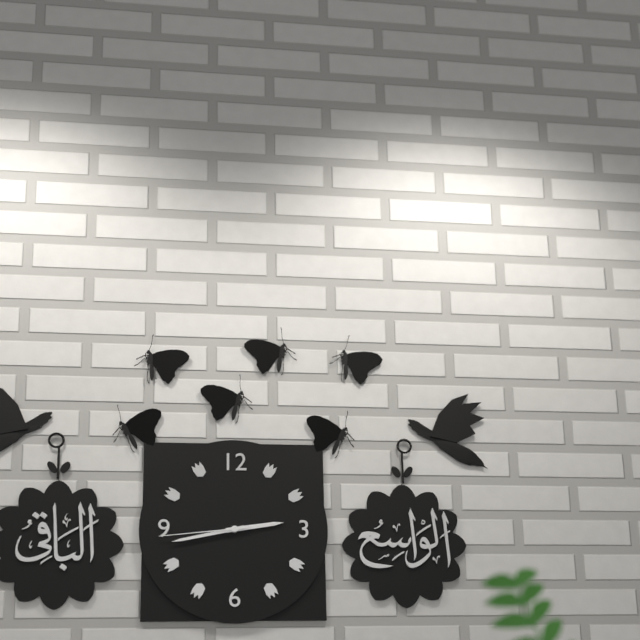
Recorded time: 2.43.44
